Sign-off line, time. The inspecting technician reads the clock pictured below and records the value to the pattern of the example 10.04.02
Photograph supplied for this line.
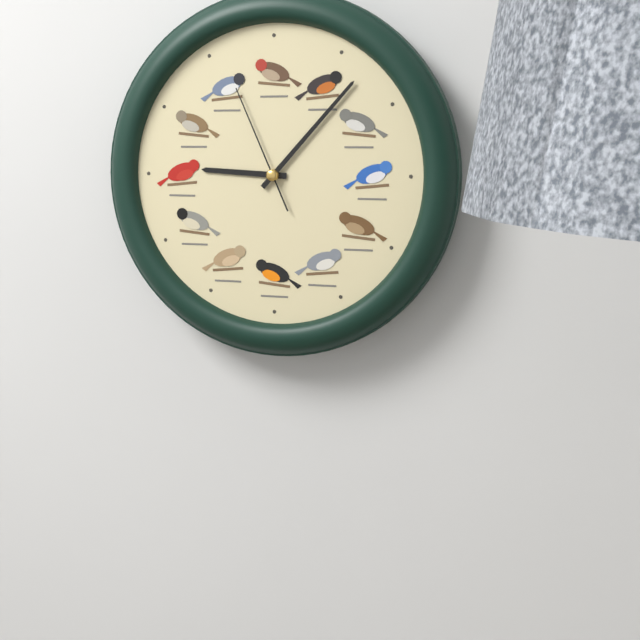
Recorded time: 9.07.56
